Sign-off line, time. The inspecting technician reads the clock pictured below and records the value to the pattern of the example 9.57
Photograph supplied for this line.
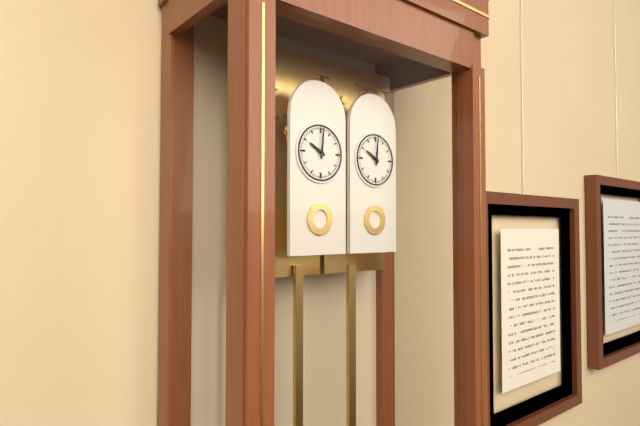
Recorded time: 10.01
